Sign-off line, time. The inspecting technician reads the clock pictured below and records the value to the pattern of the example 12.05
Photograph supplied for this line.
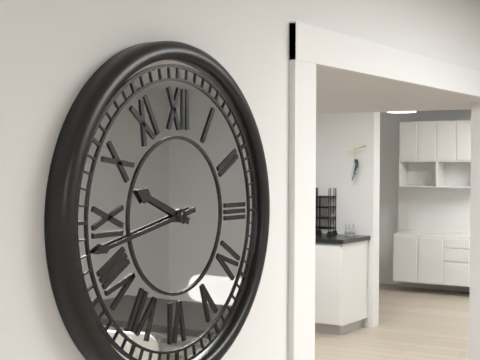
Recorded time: 9.43
